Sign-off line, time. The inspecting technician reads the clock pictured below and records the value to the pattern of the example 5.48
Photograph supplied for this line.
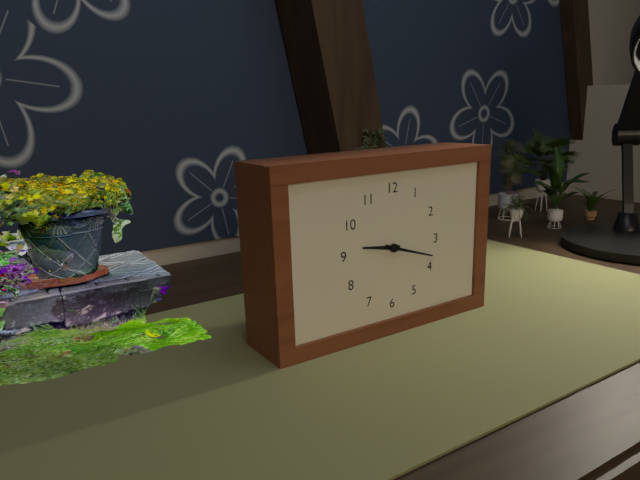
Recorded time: 9.18
